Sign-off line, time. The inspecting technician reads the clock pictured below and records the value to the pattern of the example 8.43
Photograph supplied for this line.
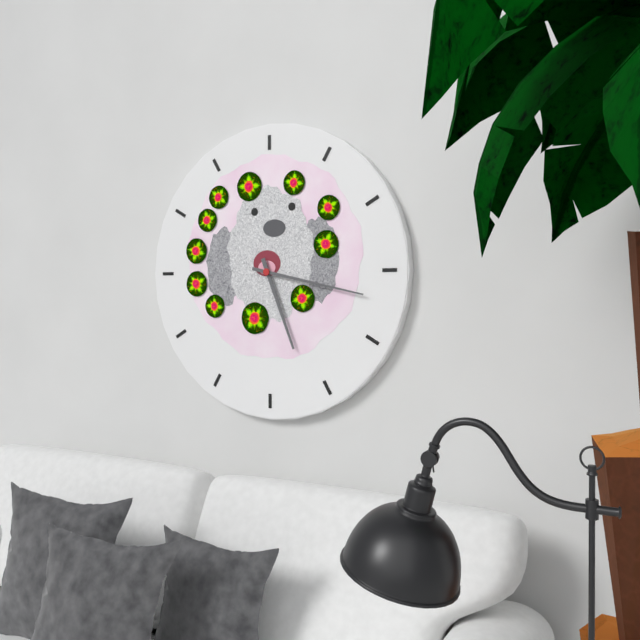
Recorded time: 5.17
